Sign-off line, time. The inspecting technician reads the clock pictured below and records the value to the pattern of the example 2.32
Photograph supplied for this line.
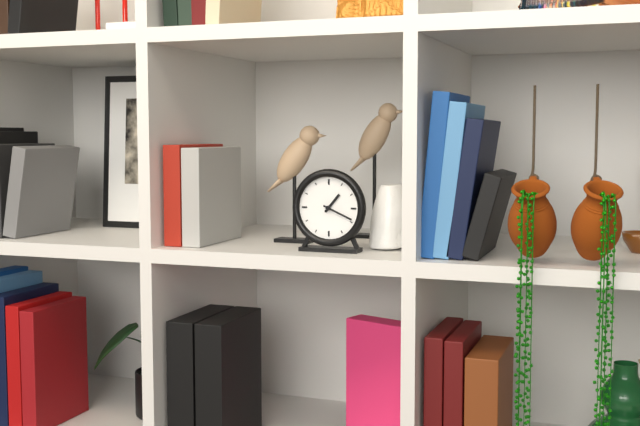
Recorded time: 1.19
